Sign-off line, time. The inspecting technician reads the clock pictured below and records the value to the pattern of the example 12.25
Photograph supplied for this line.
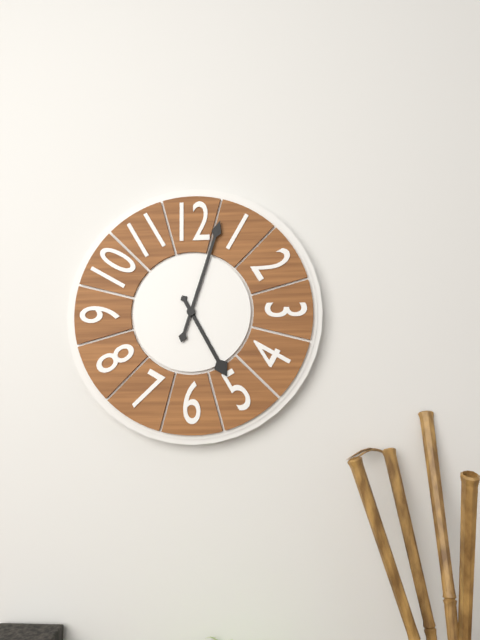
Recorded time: 5.03
